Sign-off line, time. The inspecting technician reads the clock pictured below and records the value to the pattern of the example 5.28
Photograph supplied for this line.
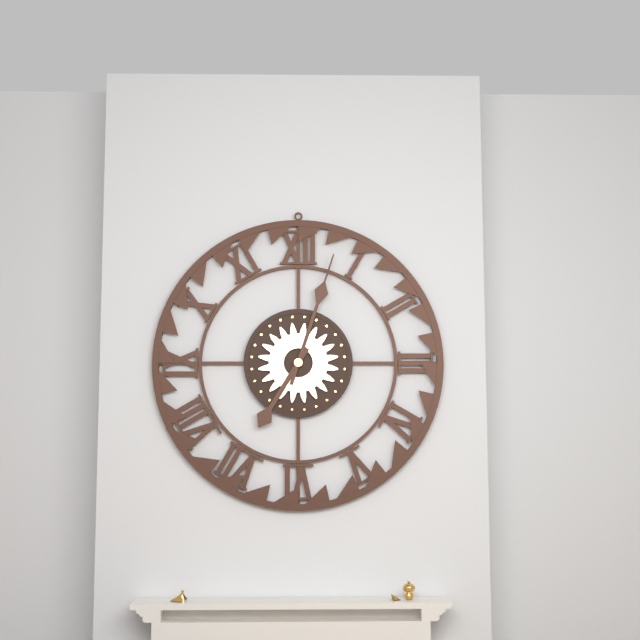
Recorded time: 7.03
